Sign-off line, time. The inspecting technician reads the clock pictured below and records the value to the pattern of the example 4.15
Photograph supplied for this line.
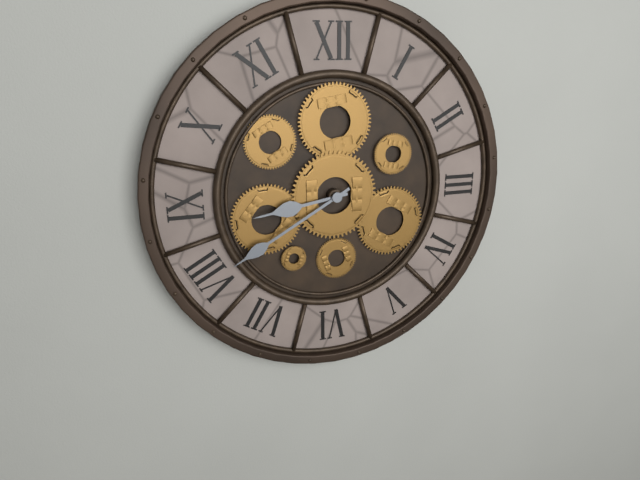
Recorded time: 8.40
